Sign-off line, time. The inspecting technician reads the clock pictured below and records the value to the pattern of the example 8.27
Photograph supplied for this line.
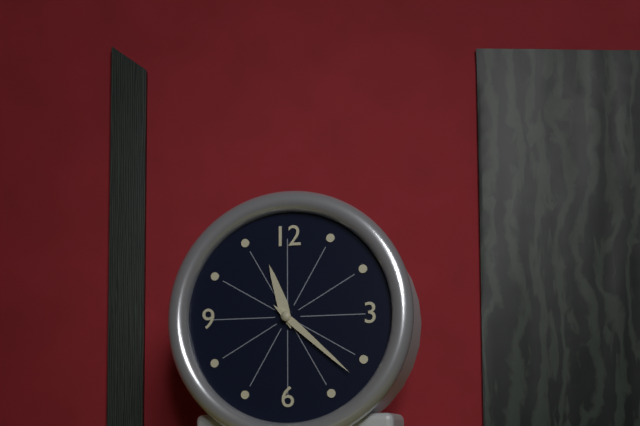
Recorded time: 11.22
